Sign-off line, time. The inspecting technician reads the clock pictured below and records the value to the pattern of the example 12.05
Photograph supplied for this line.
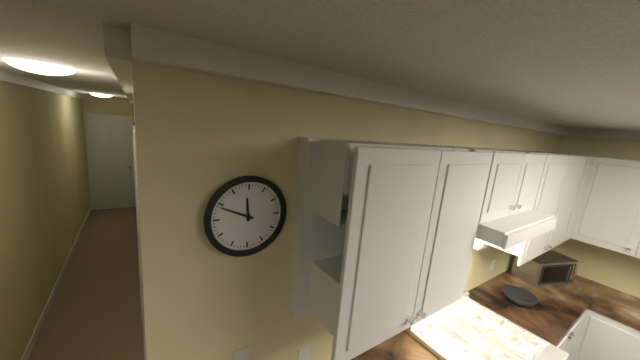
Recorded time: 11.49
